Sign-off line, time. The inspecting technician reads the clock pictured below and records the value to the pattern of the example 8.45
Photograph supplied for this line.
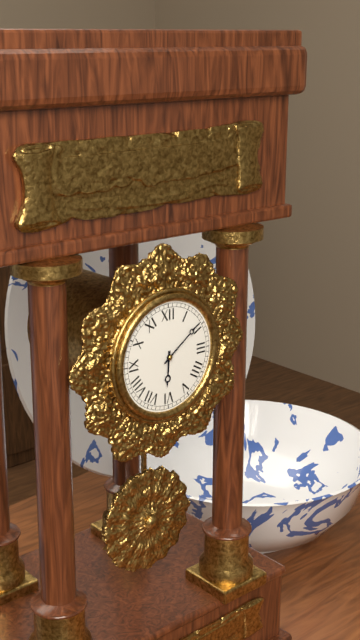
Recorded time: 6.09
